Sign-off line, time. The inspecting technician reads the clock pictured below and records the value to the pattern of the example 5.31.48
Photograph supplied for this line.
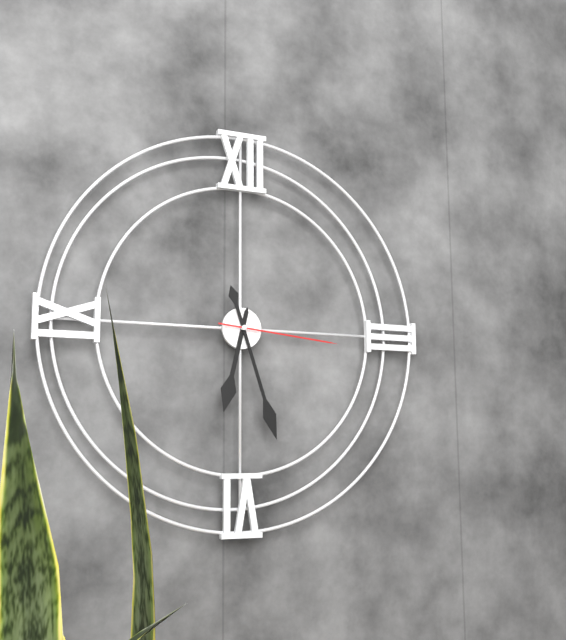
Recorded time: 6.27.16
